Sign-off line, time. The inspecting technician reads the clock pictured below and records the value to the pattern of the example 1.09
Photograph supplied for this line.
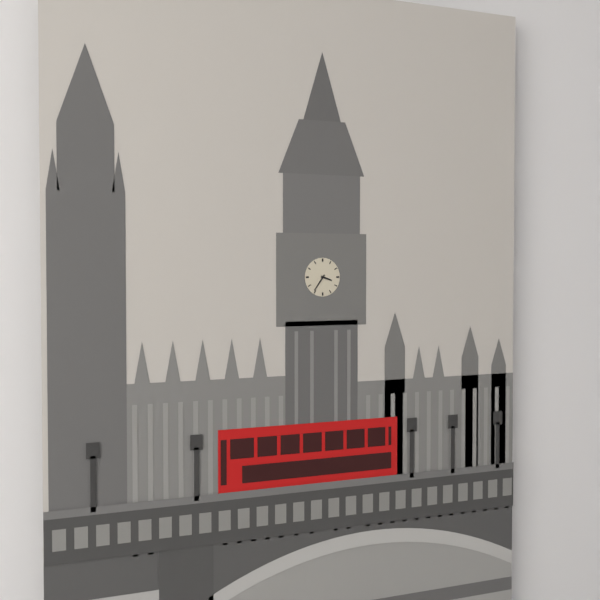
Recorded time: 3.36
